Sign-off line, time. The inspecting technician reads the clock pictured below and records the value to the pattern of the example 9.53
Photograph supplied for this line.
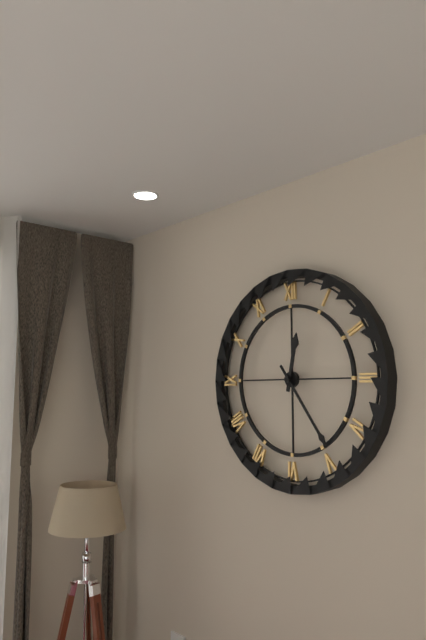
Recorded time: 12.24
